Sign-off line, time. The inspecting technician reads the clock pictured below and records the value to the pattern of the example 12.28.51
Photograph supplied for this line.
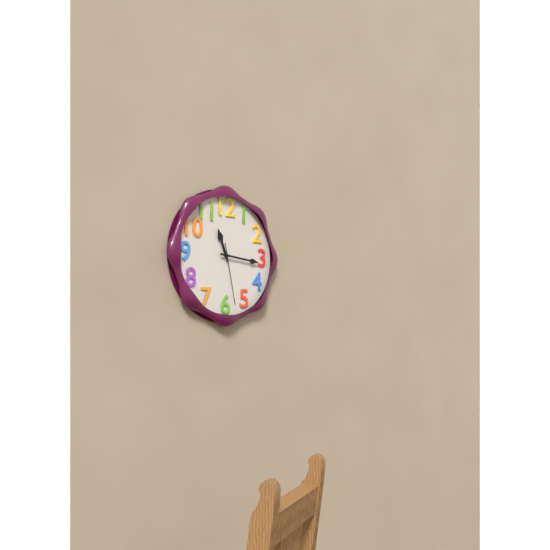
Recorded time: 11.16.28
